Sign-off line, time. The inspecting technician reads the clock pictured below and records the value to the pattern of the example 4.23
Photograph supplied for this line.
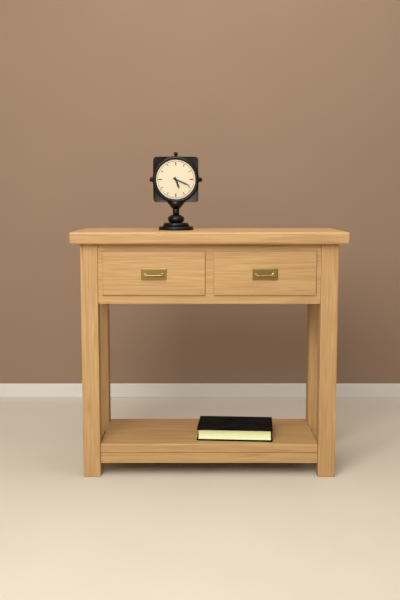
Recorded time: 5.19
